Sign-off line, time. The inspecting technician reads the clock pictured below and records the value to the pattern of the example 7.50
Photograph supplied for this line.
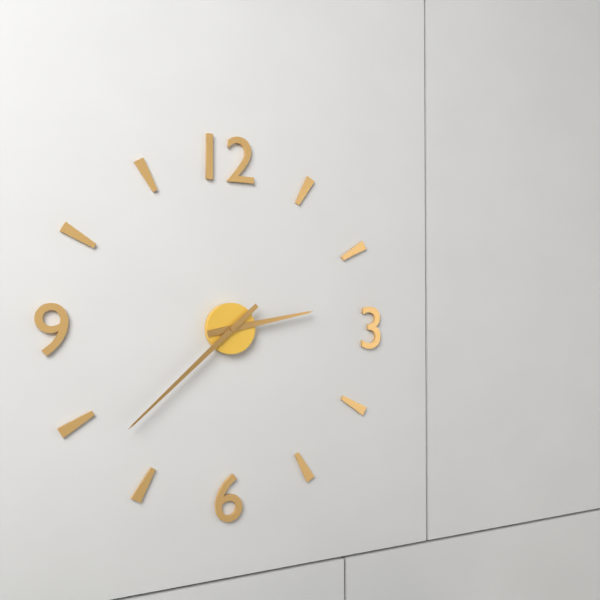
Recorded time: 2.38
